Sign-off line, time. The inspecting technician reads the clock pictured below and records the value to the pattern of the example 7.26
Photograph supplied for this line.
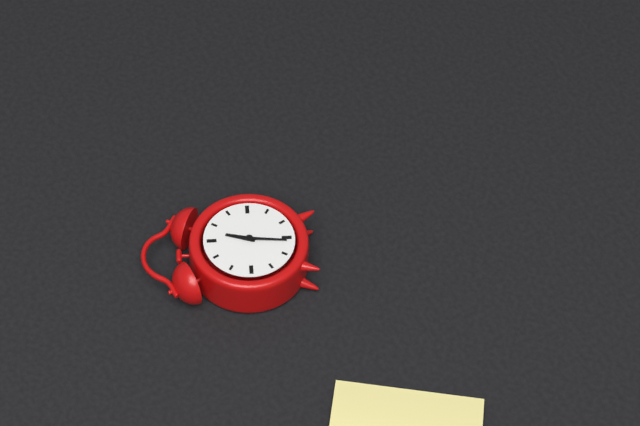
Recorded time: 12.31
